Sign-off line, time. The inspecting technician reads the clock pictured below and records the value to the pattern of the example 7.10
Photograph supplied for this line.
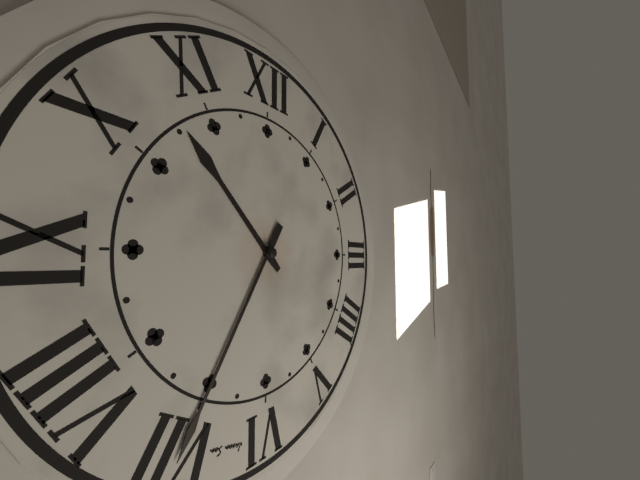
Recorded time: 10.35
